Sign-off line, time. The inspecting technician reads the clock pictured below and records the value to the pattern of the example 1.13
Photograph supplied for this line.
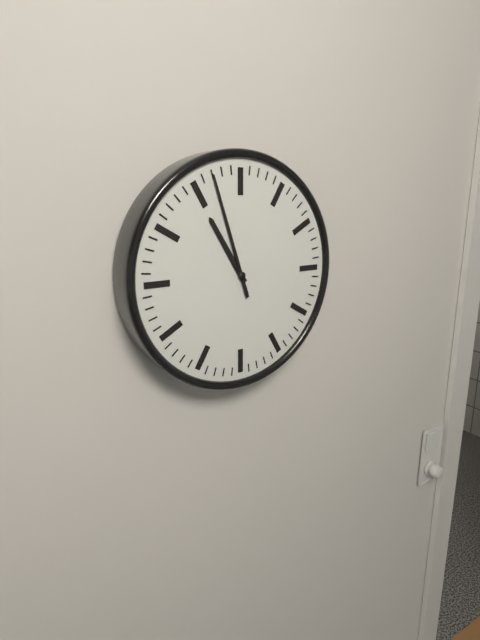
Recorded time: 10.57
